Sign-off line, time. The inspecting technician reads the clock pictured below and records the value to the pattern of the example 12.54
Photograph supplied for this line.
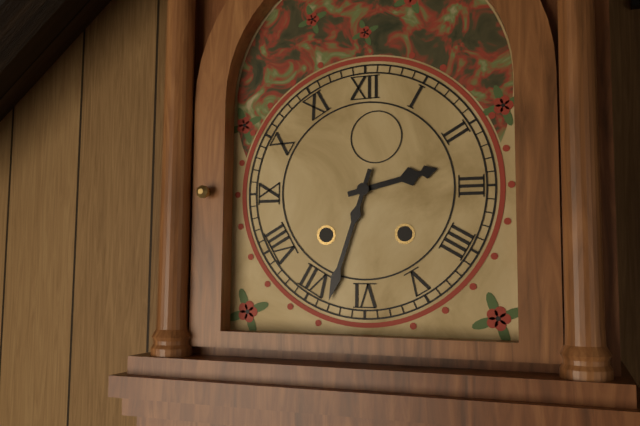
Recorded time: 2.33
